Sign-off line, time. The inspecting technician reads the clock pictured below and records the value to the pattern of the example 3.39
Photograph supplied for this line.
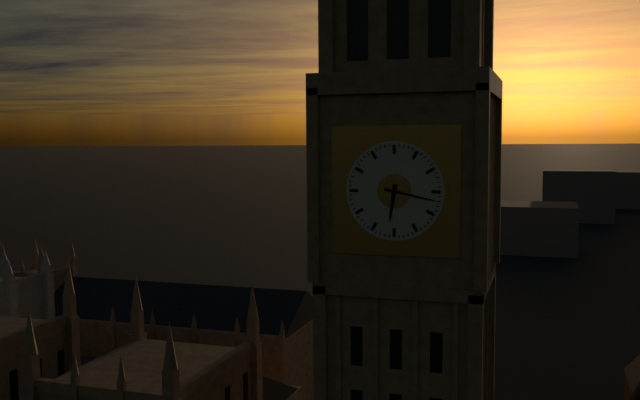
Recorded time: 6.17
